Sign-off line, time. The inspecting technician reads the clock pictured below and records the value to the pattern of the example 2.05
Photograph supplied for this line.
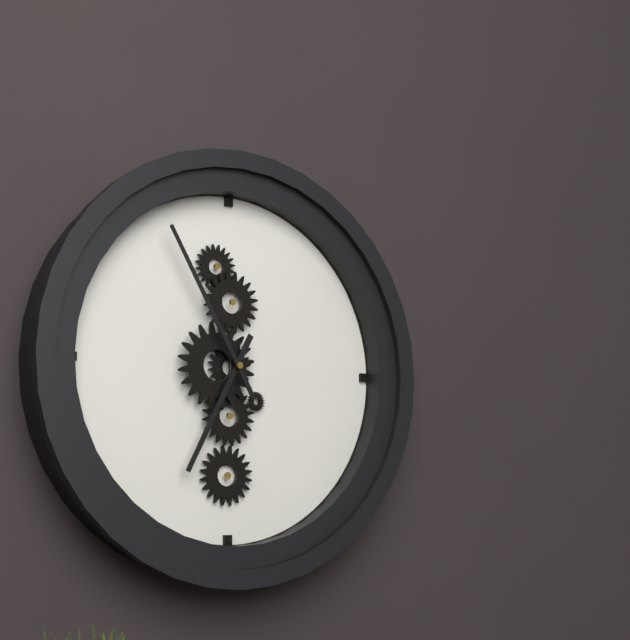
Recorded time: 6.55
